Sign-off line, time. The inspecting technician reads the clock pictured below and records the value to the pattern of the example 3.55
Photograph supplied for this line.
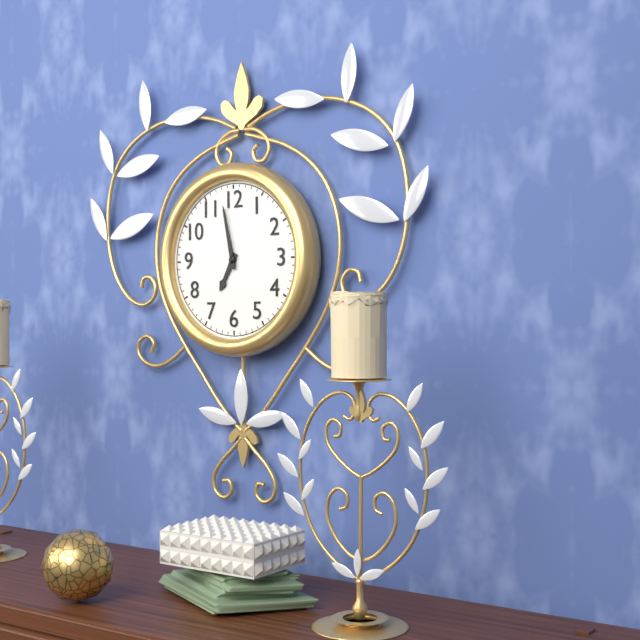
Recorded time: 6.58
